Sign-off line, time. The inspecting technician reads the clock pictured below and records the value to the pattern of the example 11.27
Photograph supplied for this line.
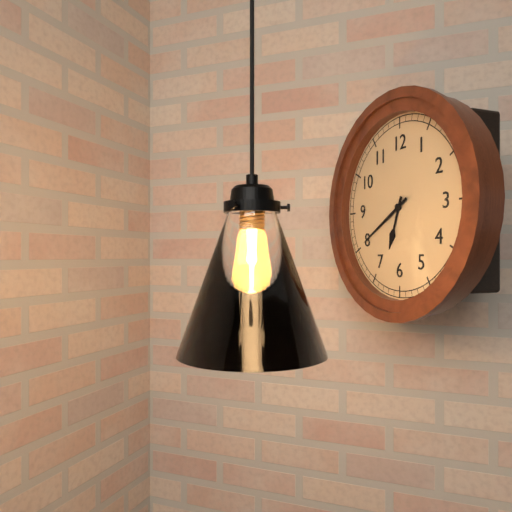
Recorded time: 6.40
